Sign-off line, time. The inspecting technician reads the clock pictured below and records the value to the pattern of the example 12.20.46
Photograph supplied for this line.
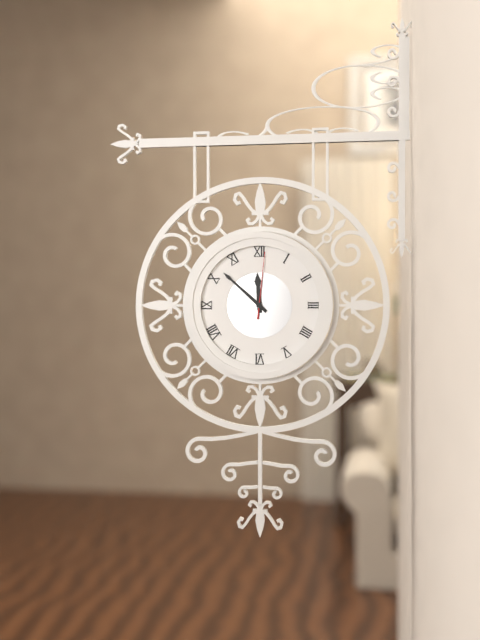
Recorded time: 11.52.01
